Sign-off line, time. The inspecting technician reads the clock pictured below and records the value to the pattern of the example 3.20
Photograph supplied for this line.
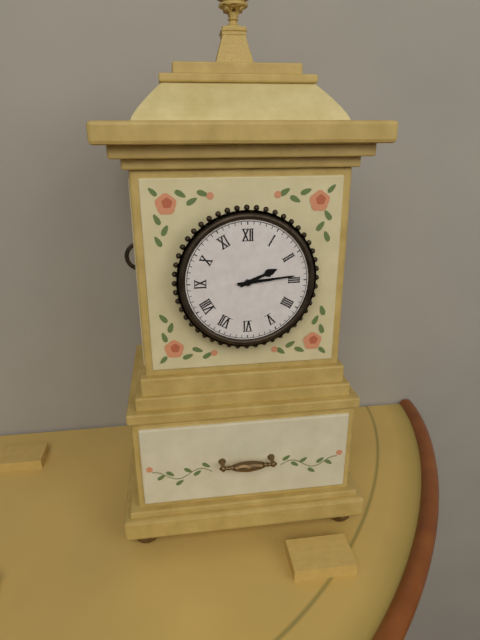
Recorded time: 2.14
